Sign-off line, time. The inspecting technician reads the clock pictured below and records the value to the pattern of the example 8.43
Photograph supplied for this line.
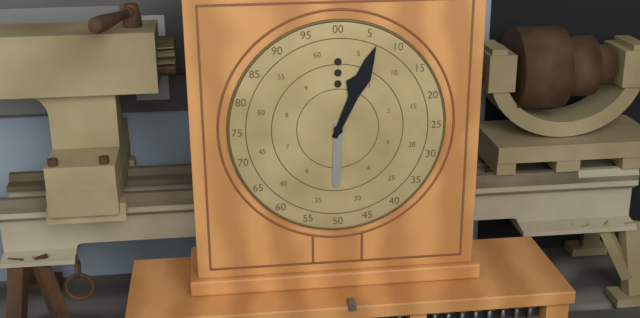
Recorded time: 6.04
